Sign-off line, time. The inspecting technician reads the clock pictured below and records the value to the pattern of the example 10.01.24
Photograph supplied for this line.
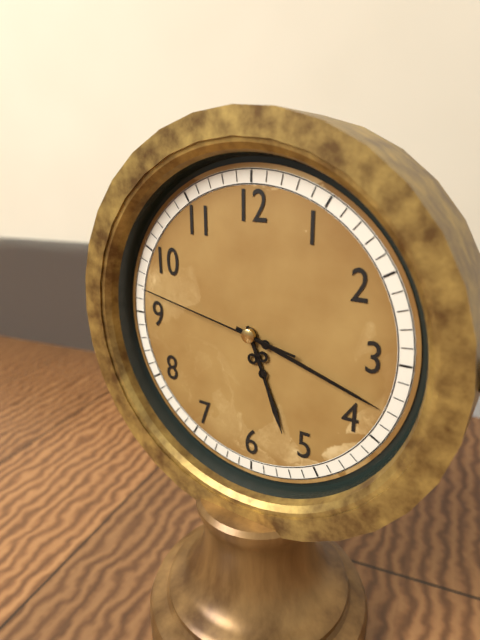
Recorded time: 5.18.47
